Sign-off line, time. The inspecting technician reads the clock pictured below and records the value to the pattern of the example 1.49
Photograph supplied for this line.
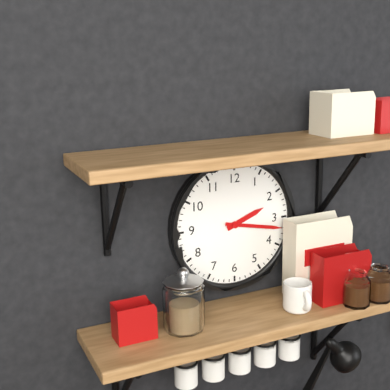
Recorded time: 2.17
